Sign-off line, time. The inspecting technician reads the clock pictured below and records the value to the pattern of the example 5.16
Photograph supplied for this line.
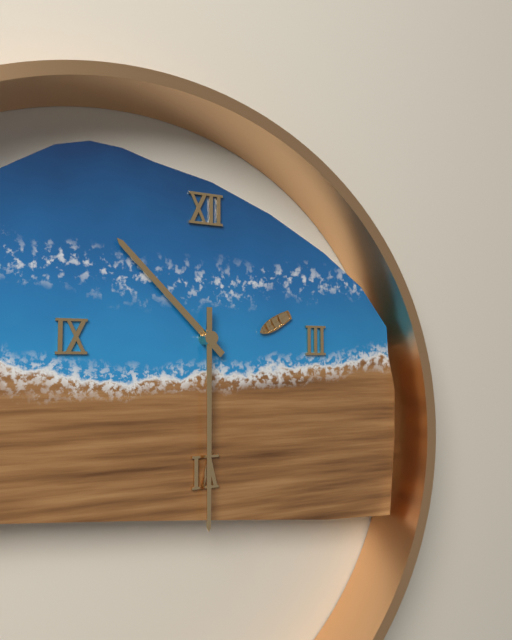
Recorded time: 10.30
